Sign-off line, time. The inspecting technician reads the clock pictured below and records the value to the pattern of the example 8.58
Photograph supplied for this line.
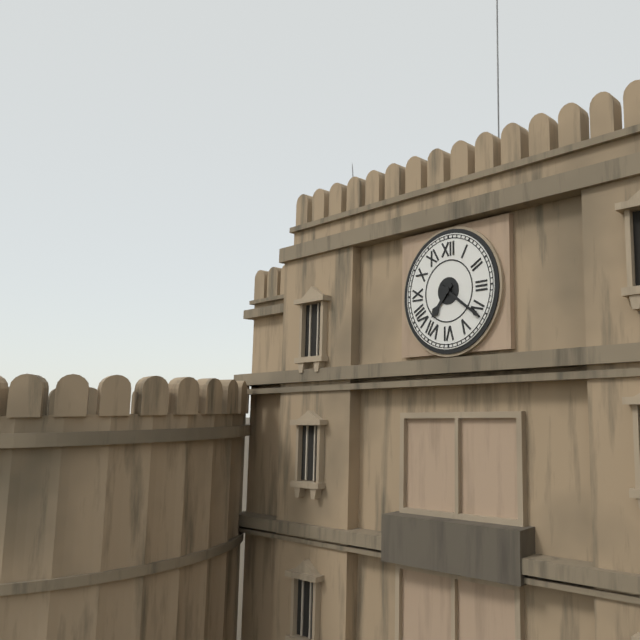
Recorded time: 7.21
